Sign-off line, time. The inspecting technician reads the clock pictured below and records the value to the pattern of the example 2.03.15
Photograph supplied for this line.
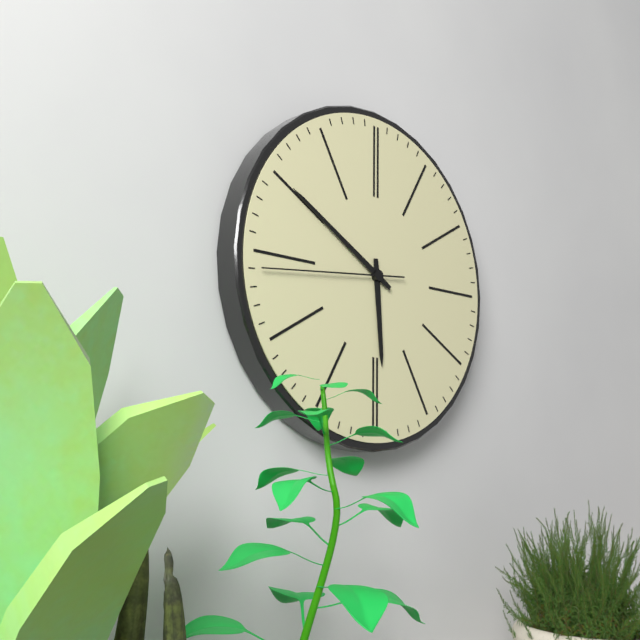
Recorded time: 5.50.44
